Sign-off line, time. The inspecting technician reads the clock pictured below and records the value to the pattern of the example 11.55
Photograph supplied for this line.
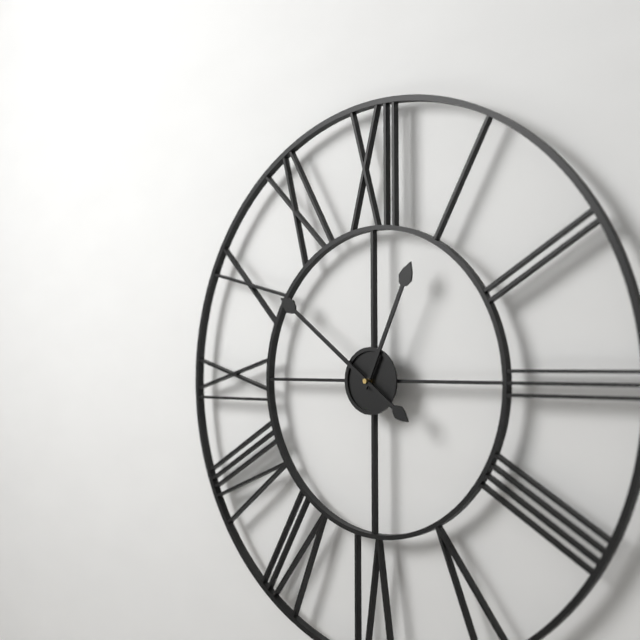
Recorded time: 12.51
